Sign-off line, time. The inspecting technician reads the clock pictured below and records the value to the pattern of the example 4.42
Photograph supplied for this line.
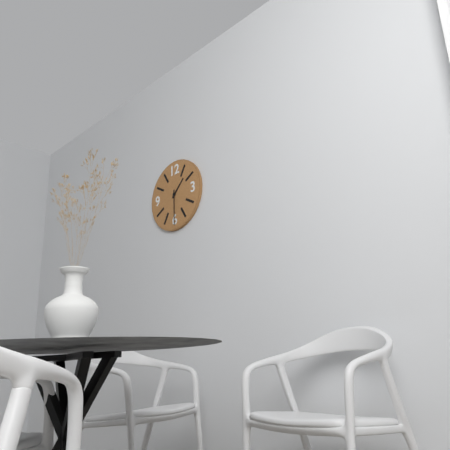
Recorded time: 1.30
